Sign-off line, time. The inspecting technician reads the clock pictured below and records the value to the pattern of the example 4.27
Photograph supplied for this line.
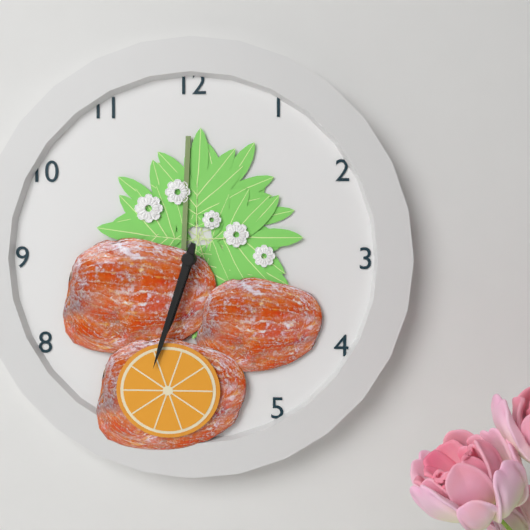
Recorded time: 6.33
